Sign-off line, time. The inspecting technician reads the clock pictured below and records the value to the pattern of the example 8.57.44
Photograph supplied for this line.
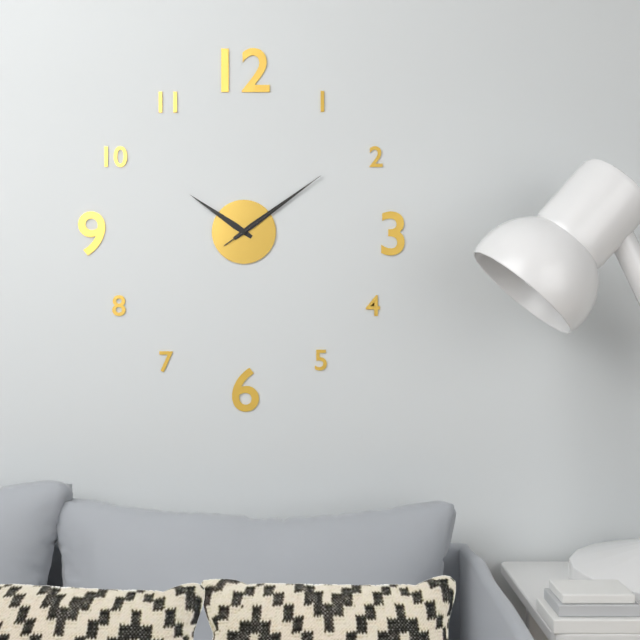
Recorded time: 10.09.09
